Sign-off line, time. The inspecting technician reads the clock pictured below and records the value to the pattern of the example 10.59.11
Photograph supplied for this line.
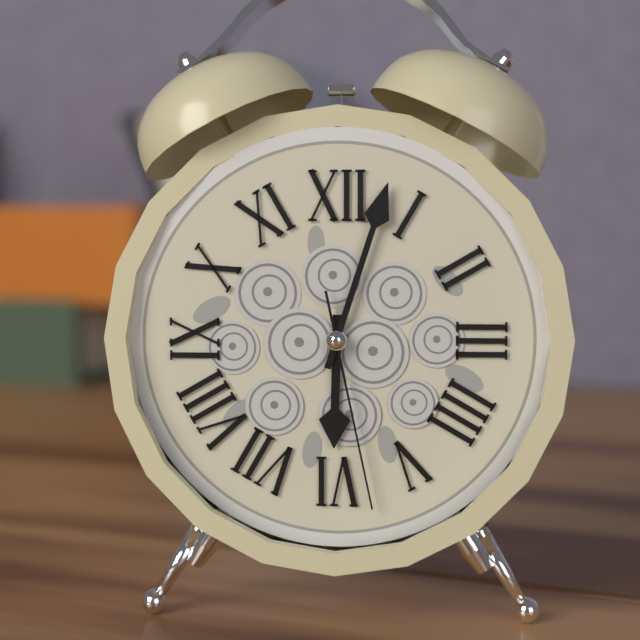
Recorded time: 6.03.28
